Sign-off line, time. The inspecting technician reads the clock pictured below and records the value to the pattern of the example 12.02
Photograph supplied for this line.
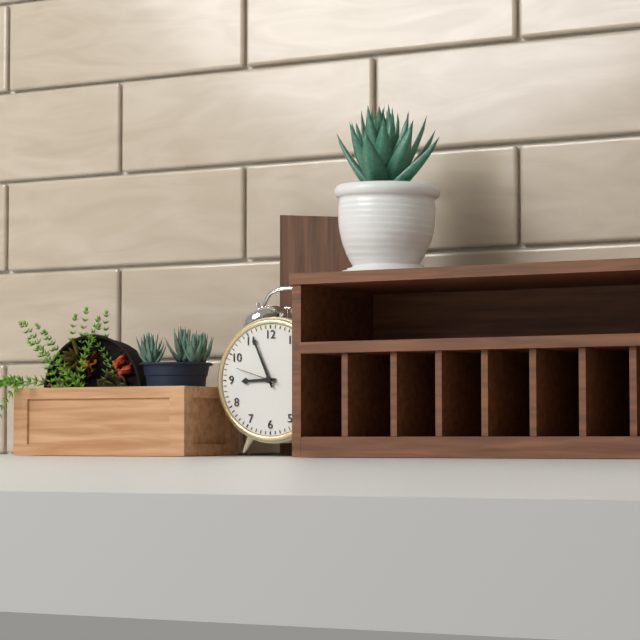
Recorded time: 8.56
